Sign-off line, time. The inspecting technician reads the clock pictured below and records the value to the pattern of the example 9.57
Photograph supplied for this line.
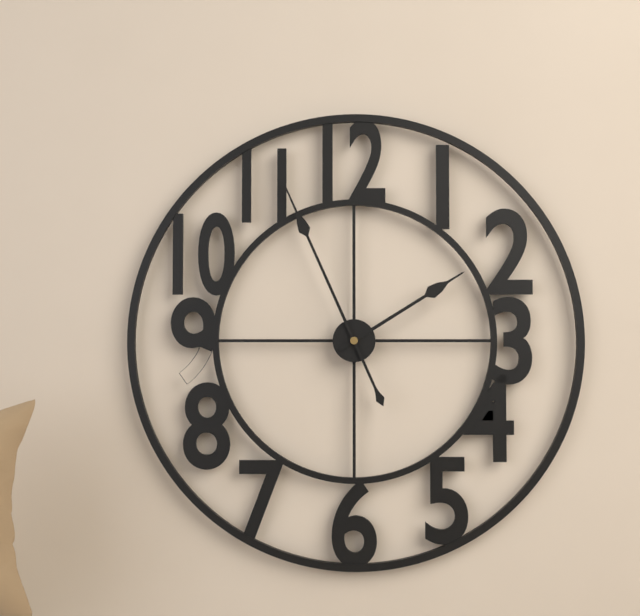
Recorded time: 1.56
